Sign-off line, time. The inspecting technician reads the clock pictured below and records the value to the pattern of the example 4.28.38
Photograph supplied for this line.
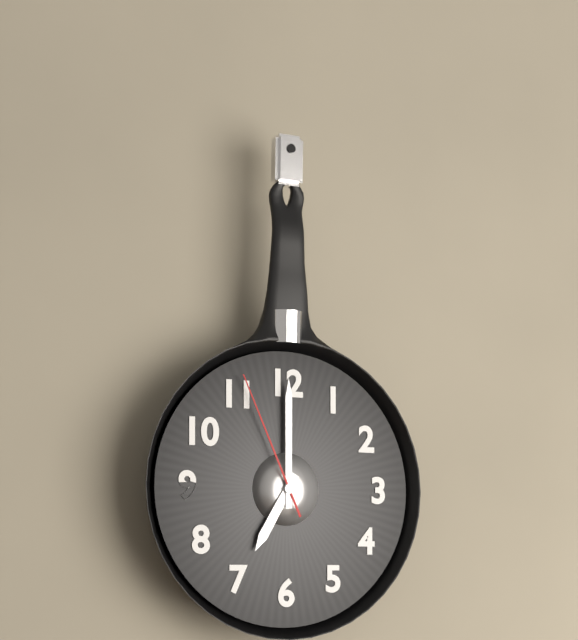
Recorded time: 7.00.56
